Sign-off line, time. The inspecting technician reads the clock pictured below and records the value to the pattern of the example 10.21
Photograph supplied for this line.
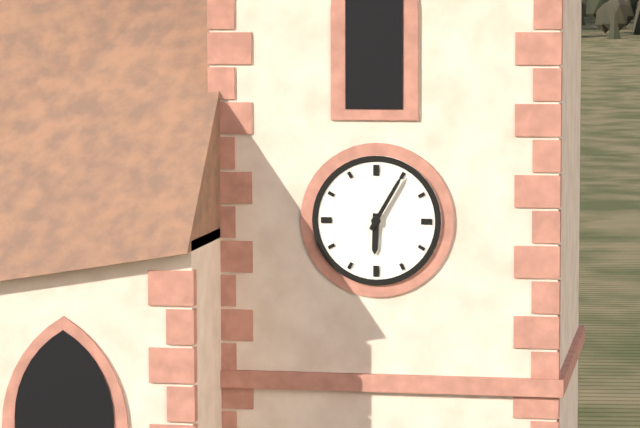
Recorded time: 6.05
